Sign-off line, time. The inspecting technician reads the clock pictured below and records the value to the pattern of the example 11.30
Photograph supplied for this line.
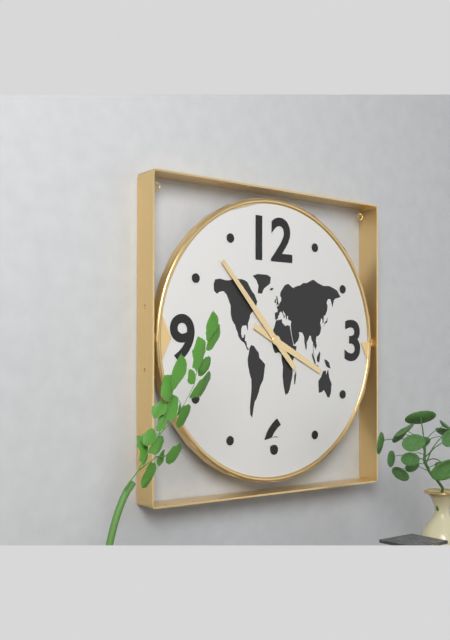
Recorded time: 3.53
